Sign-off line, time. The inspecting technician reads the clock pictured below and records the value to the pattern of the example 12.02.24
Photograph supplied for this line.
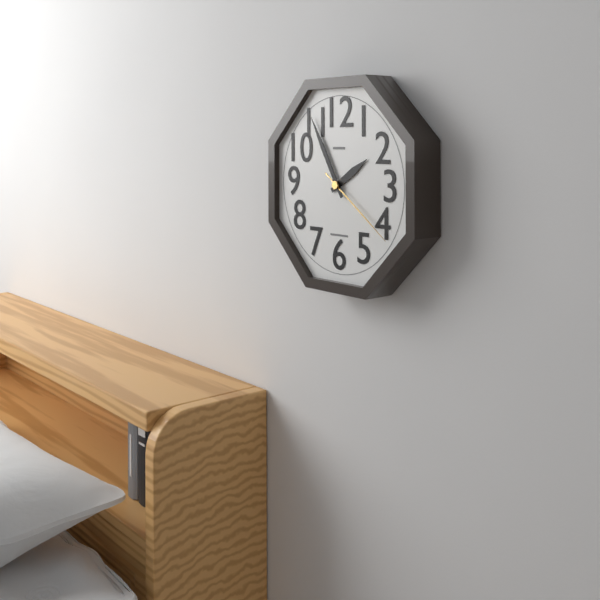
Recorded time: 1.55.21
